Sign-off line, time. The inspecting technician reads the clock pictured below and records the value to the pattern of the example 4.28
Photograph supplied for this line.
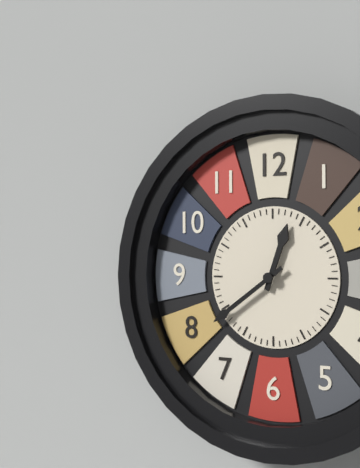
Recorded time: 12.39
